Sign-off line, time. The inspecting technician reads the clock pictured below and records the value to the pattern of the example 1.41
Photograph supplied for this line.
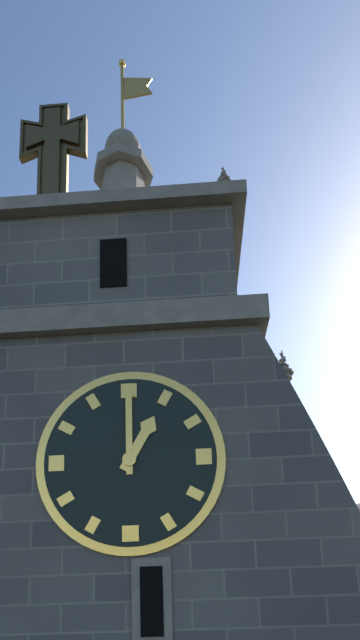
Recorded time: 1.00
